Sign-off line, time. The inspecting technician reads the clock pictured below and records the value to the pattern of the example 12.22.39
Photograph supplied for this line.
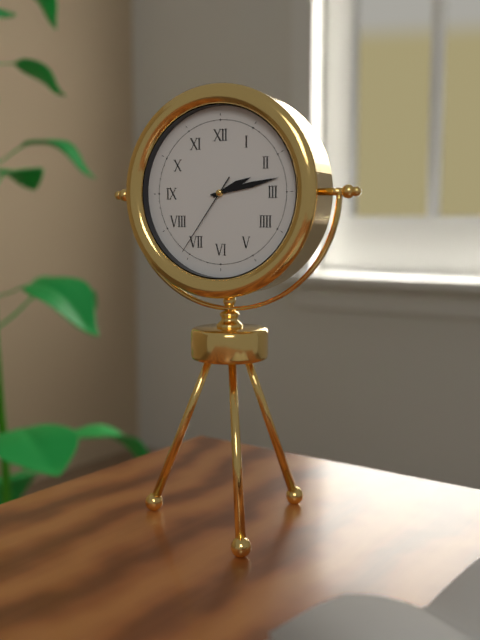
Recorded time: 2.13.36
